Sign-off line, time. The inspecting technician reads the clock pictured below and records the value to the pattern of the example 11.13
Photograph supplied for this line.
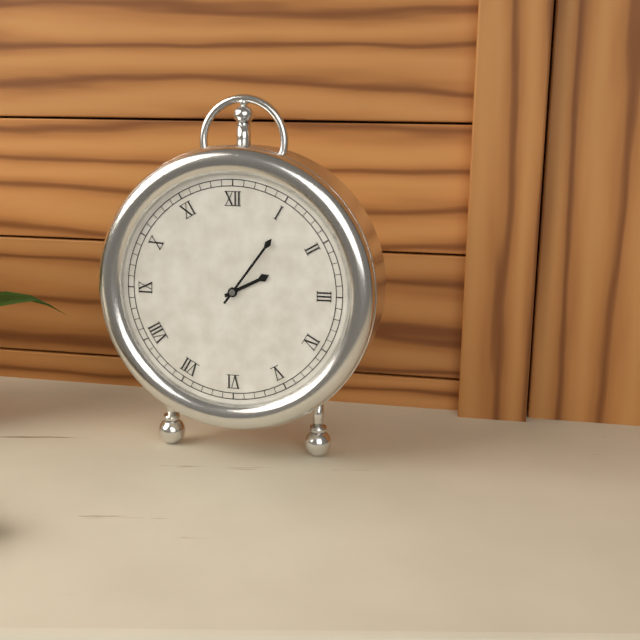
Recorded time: 2.06
